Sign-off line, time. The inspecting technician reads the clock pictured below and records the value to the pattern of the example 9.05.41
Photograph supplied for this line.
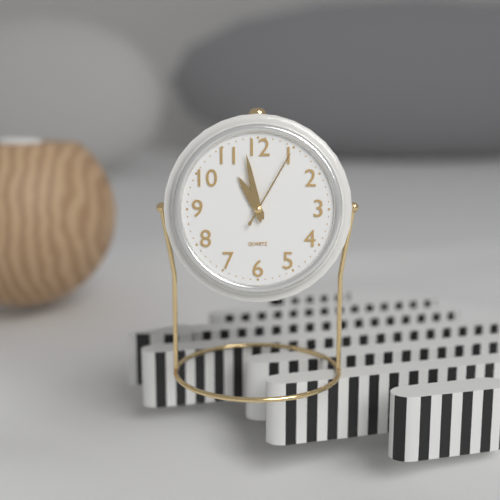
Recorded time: 10.58.05
